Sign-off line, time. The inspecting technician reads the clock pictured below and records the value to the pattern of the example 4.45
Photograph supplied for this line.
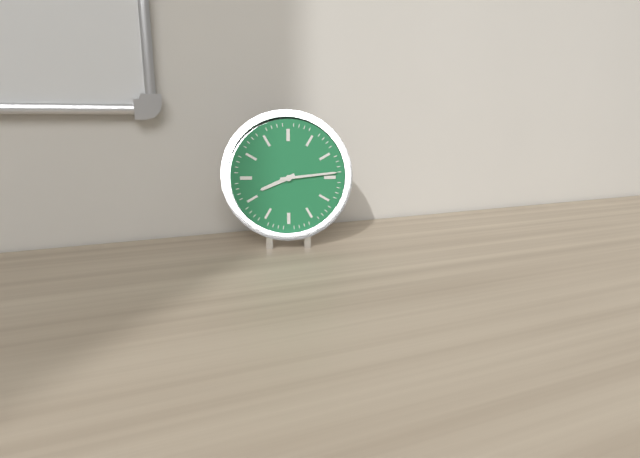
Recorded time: 8.14
